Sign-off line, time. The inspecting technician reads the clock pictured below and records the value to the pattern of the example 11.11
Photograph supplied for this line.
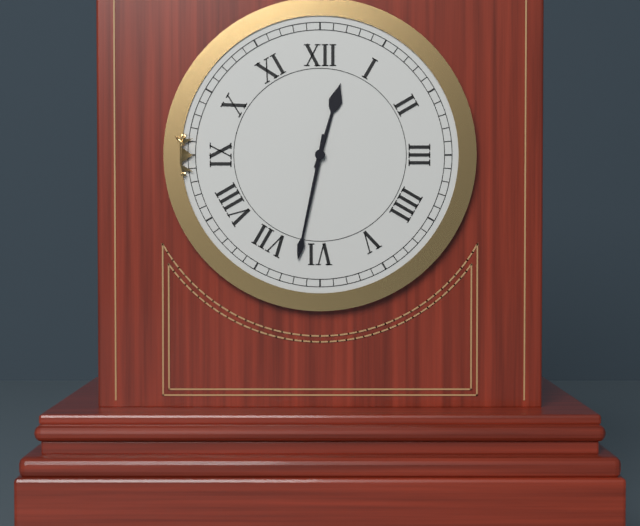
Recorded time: 12.32
